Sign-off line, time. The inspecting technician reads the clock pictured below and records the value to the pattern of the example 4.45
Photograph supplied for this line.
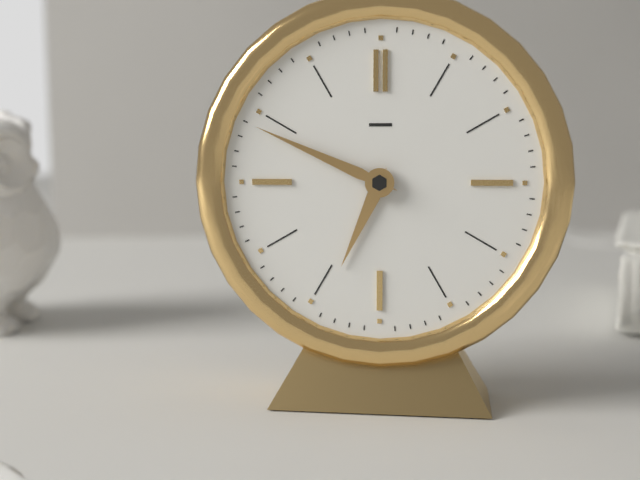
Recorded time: 6.49
